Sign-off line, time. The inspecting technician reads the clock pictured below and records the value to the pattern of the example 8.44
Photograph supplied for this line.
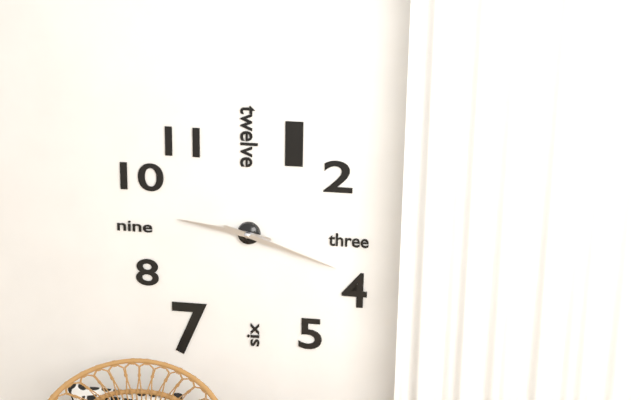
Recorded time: 9.18
